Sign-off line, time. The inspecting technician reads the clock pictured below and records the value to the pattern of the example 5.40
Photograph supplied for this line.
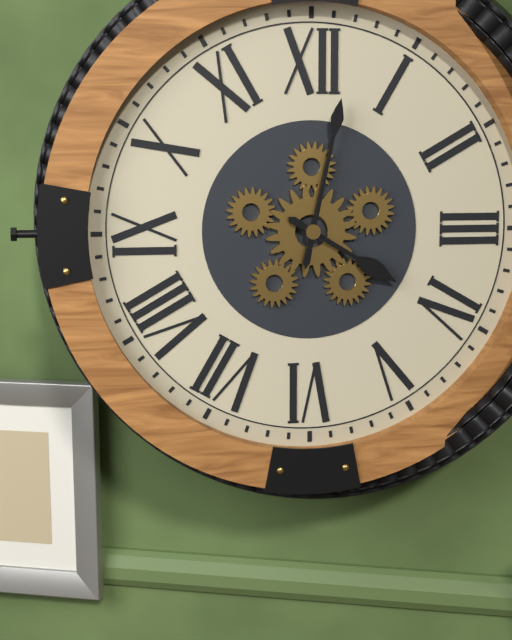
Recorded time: 4.02
